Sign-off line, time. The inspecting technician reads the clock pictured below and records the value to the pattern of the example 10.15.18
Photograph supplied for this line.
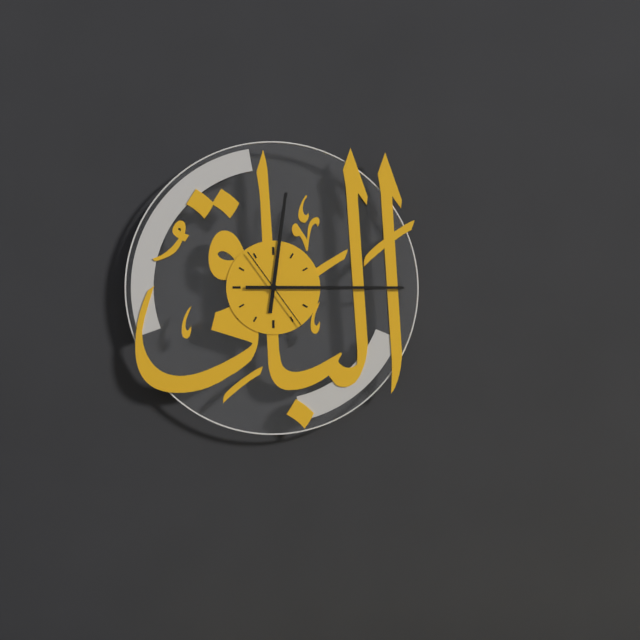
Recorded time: 12.15.24
